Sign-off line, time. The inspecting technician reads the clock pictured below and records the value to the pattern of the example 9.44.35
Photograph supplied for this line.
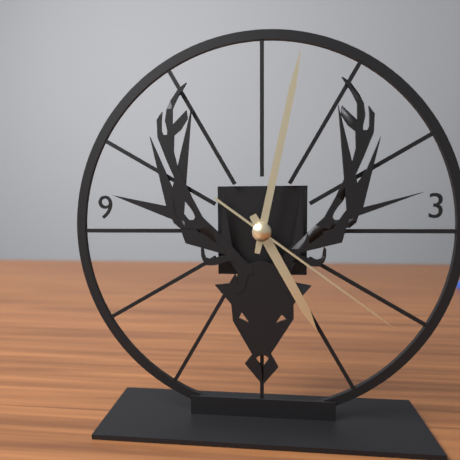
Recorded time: 5.02.21
